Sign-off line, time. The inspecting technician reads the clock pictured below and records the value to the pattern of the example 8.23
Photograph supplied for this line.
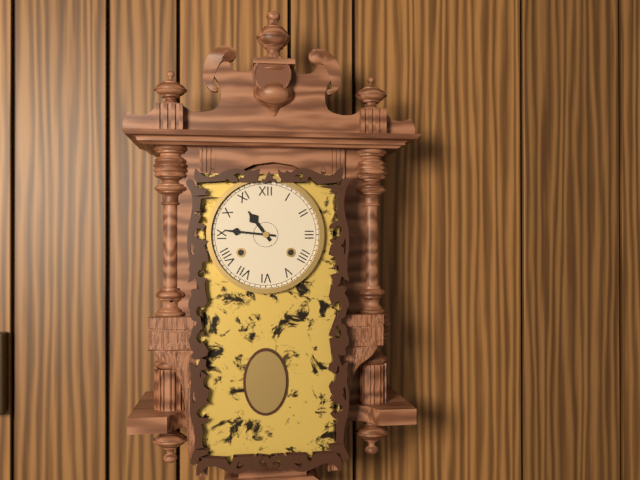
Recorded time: 10.46
